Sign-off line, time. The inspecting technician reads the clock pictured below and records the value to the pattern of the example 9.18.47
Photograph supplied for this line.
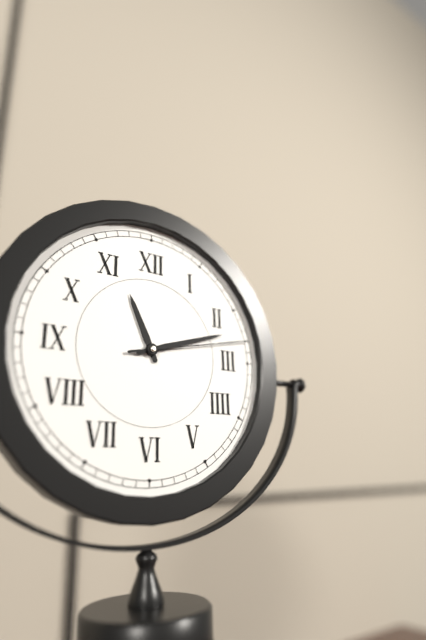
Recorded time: 11.12.13
